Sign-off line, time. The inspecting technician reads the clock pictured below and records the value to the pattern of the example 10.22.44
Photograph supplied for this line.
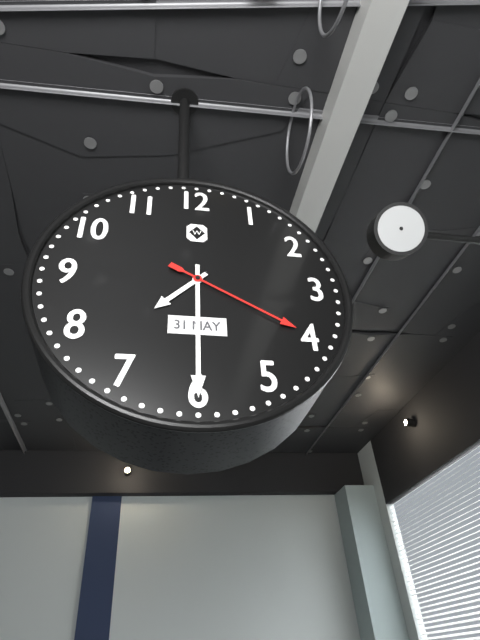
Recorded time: 7.30.20
